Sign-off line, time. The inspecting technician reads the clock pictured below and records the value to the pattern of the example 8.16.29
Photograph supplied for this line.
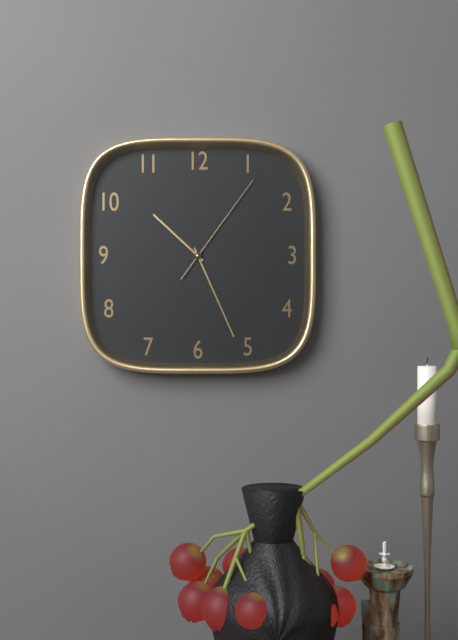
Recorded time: 10.26.06
